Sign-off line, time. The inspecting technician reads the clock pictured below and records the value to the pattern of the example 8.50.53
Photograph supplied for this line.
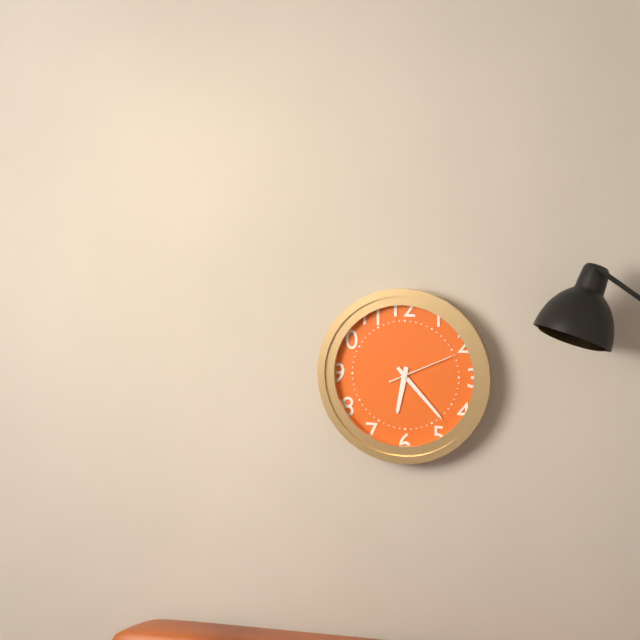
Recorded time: 6.23.11
